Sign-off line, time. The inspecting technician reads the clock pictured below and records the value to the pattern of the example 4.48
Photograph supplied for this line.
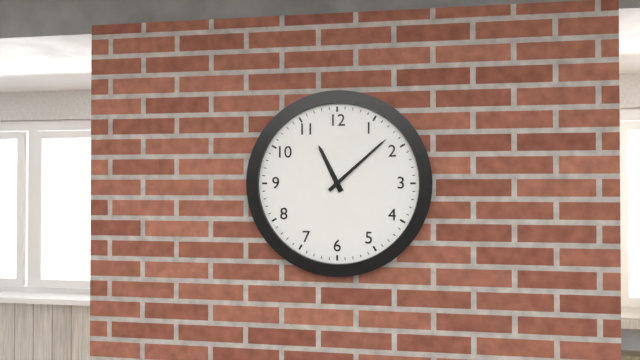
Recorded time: 11.08
